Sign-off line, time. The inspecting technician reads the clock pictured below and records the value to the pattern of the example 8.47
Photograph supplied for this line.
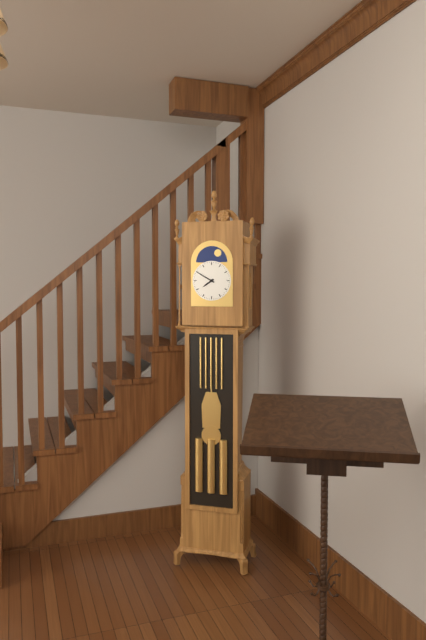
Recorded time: 7.50
